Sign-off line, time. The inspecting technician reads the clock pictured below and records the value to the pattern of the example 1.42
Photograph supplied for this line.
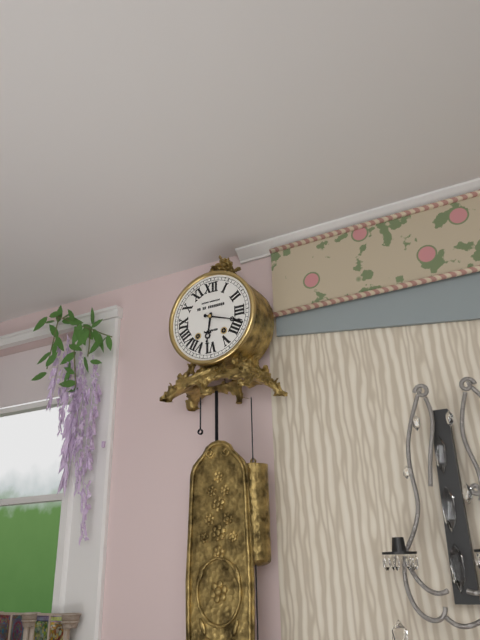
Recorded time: 6.18
